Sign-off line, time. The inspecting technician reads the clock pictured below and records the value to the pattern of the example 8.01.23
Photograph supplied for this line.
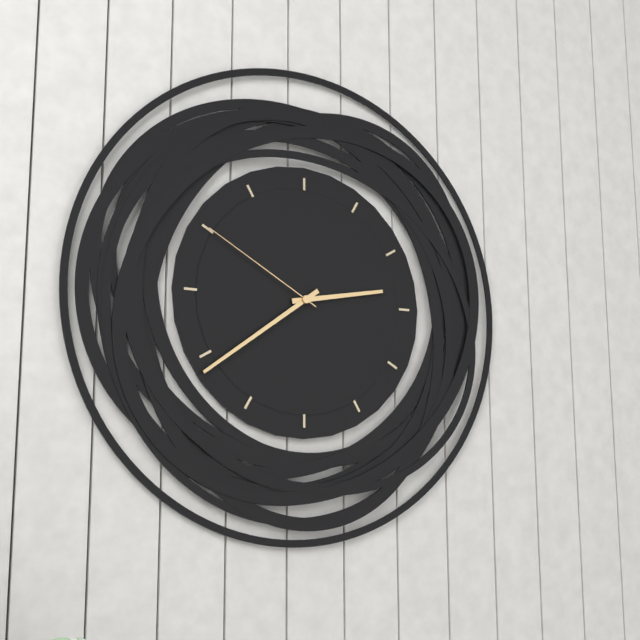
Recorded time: 2.39.50
